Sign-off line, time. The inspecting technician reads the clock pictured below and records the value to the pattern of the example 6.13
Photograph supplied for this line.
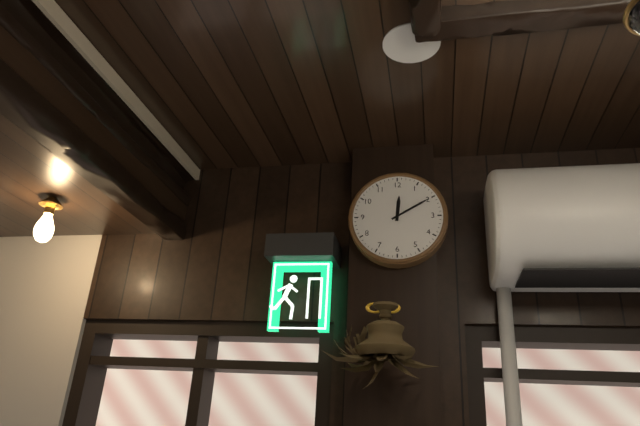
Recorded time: 12.10
